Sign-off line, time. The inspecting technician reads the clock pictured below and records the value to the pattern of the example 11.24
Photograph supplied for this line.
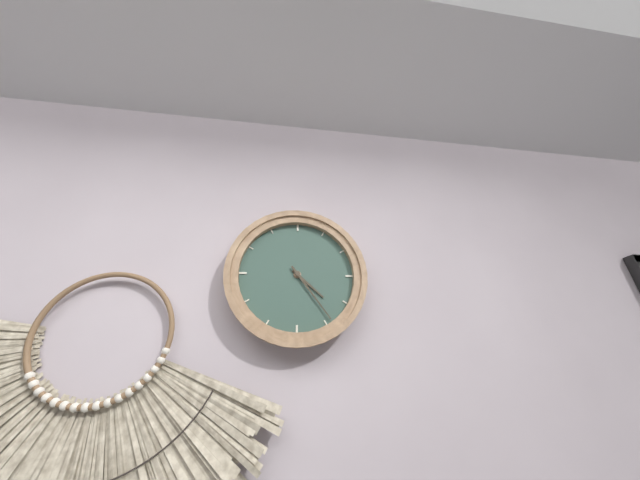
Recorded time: 4.24
